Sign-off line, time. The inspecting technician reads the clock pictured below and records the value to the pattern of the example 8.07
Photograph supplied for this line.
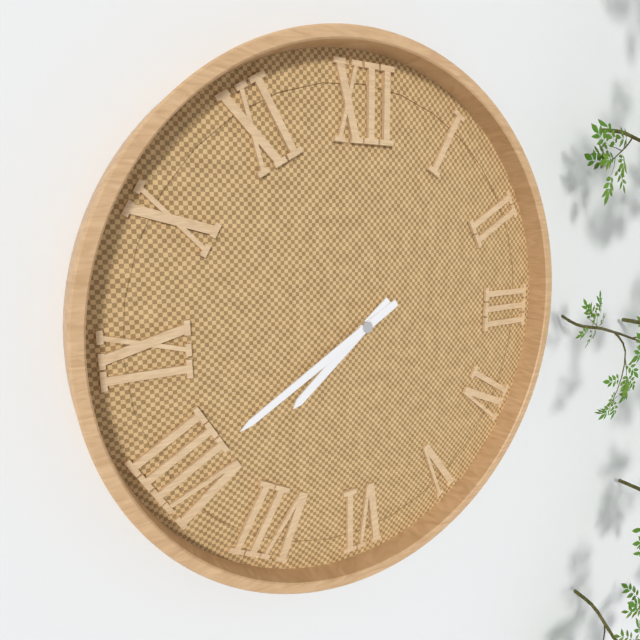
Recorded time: 7.40
